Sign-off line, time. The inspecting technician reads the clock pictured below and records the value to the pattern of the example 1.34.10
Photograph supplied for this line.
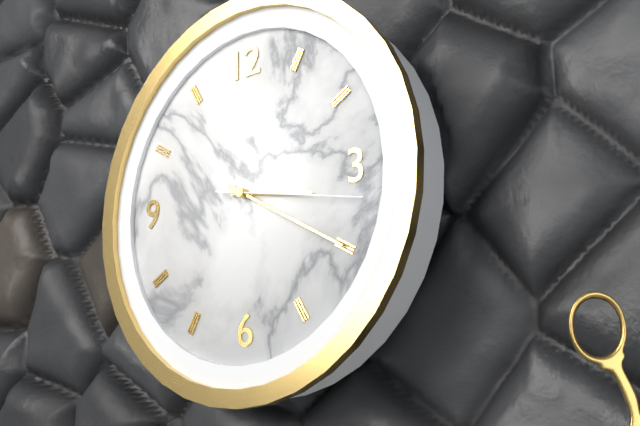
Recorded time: 3.20.17
